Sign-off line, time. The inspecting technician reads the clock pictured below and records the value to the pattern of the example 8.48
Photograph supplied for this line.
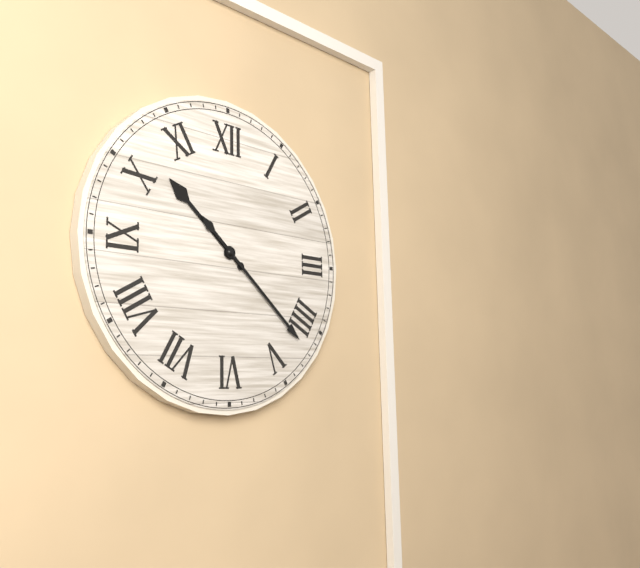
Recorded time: 10.22
